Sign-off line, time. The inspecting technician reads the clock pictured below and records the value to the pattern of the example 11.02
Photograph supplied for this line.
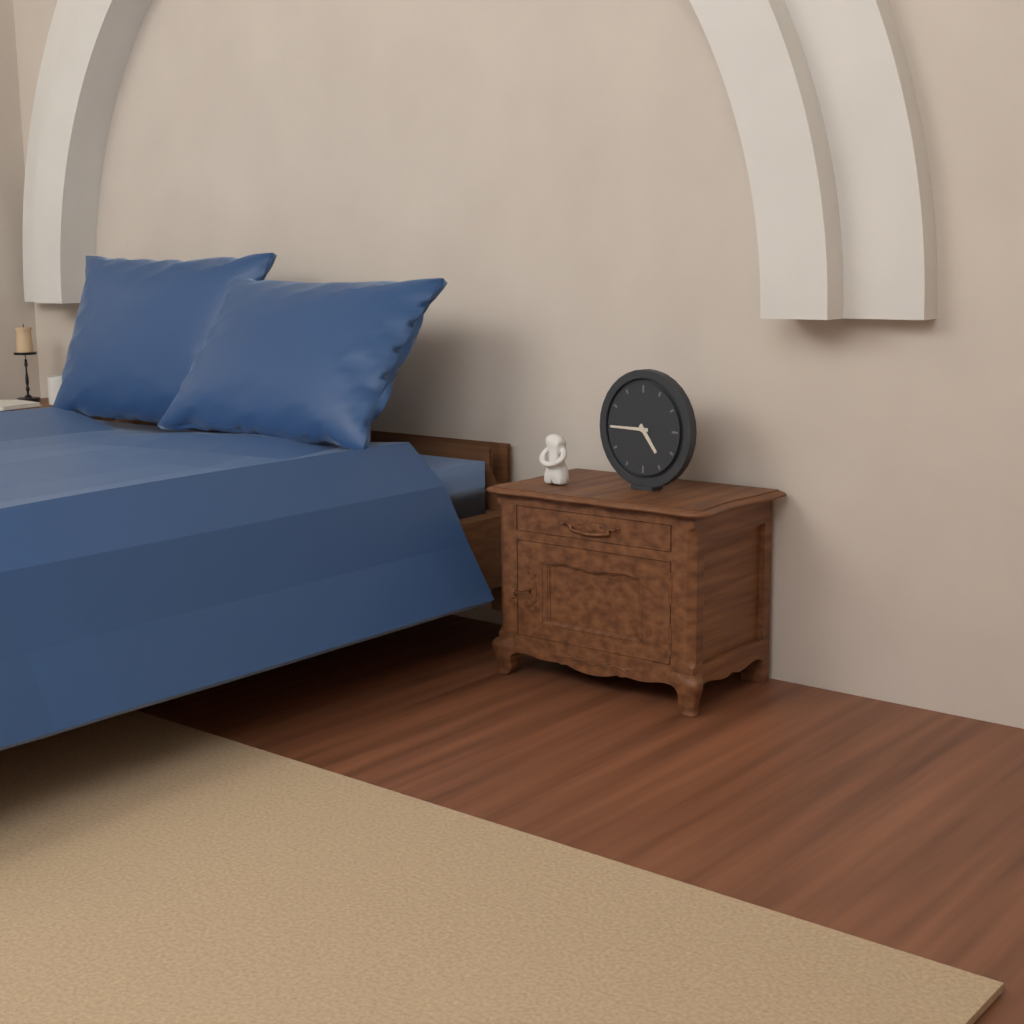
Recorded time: 4.45
